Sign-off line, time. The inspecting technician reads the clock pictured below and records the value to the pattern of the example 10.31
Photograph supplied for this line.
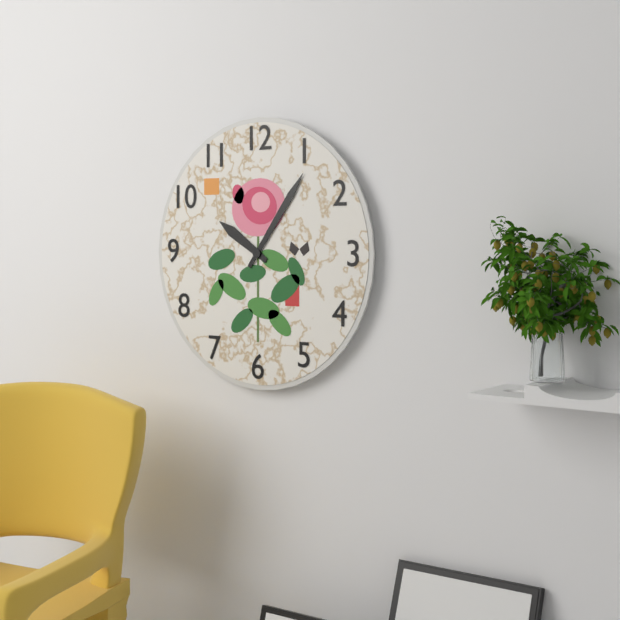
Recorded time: 10.06
